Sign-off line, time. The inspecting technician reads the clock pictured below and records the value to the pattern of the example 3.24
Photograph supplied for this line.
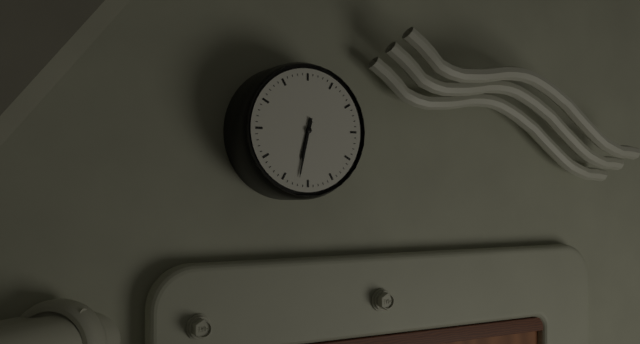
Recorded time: 6.32
